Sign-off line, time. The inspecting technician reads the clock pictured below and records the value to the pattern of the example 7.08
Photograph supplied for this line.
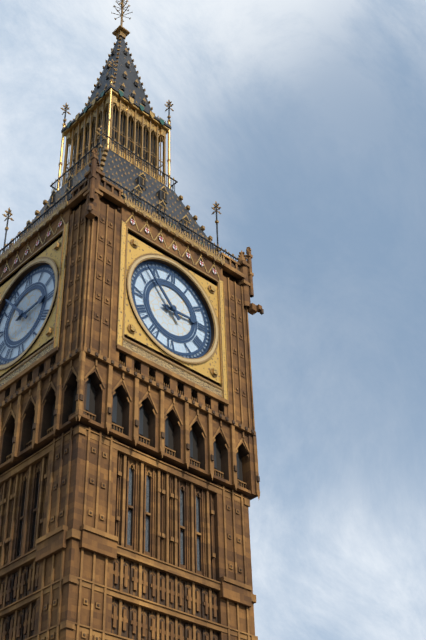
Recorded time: 2.53
